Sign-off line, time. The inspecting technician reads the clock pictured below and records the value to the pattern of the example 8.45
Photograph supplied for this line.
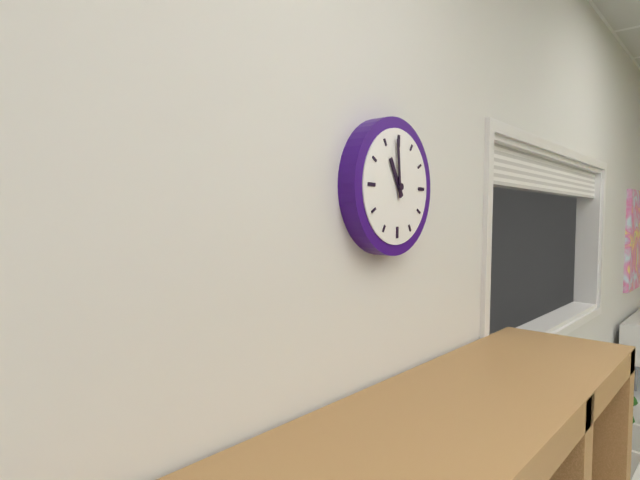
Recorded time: 10.59
